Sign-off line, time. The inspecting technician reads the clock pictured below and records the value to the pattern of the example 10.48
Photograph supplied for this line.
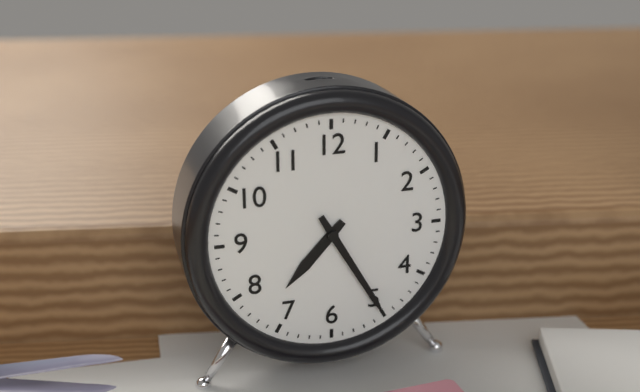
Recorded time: 7.25
